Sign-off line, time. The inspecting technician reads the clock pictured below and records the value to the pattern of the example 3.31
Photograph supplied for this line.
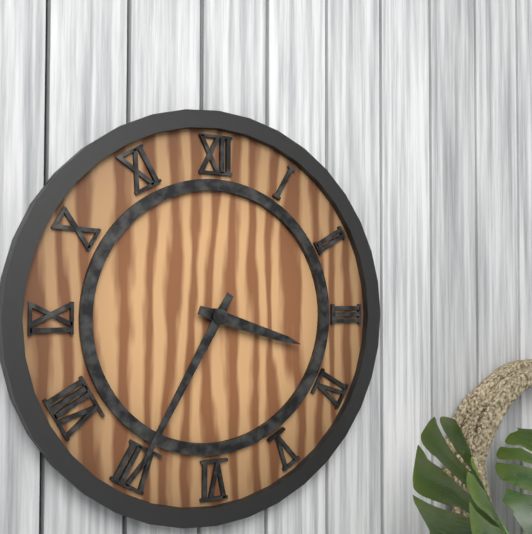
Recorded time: 3.35
